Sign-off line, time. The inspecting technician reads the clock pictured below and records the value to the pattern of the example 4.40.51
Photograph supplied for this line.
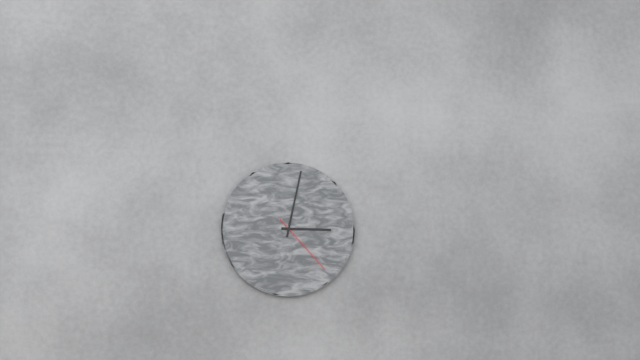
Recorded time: 3.02.23
